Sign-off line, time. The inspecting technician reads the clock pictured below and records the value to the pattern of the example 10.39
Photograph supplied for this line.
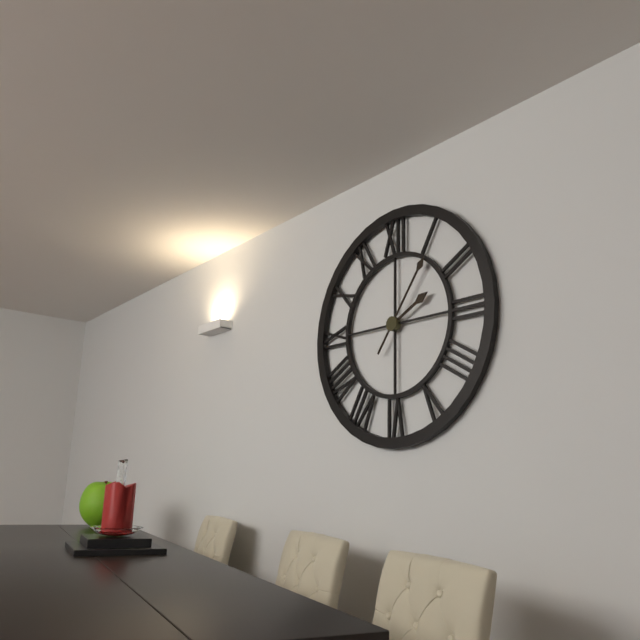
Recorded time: 2.06
